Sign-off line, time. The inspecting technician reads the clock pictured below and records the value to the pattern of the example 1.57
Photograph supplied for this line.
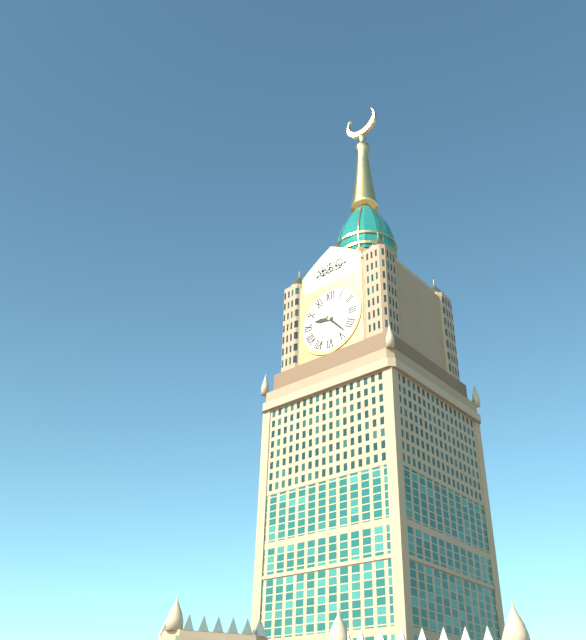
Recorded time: 9.23
